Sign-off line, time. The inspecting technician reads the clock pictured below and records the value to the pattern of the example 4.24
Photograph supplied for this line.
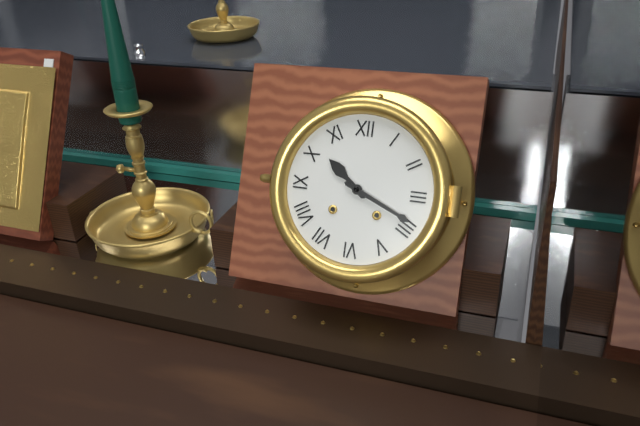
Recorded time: 10.19
